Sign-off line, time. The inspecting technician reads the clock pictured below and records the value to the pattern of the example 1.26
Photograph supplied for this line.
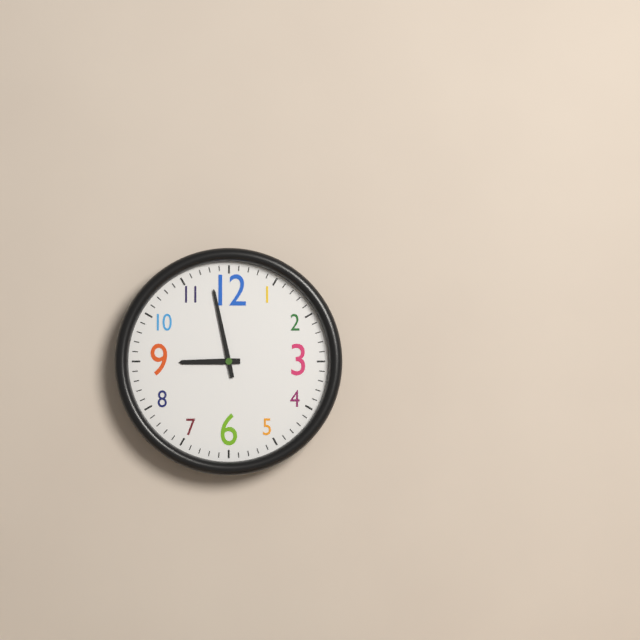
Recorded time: 8.58
